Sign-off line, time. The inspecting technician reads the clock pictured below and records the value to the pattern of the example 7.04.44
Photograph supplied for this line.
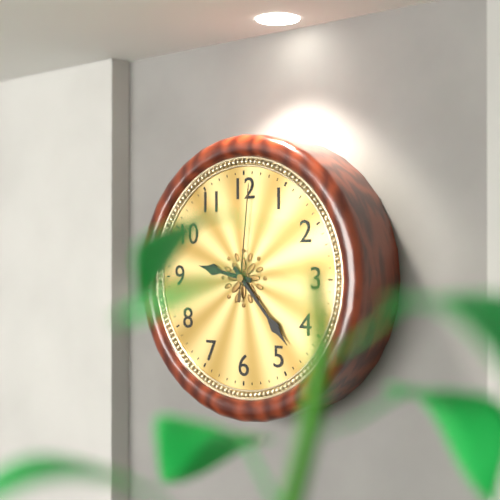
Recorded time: 9.23.01
